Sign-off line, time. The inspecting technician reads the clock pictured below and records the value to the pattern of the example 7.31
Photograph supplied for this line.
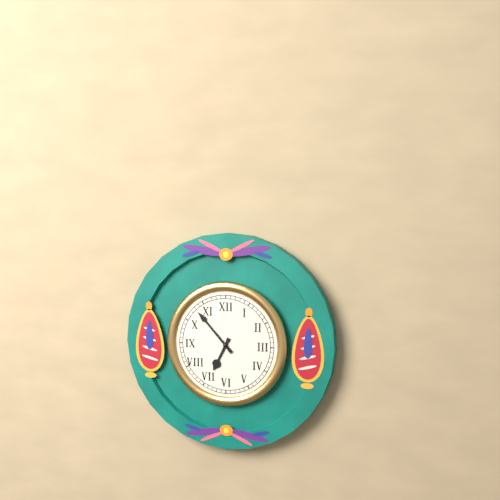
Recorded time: 6.53
